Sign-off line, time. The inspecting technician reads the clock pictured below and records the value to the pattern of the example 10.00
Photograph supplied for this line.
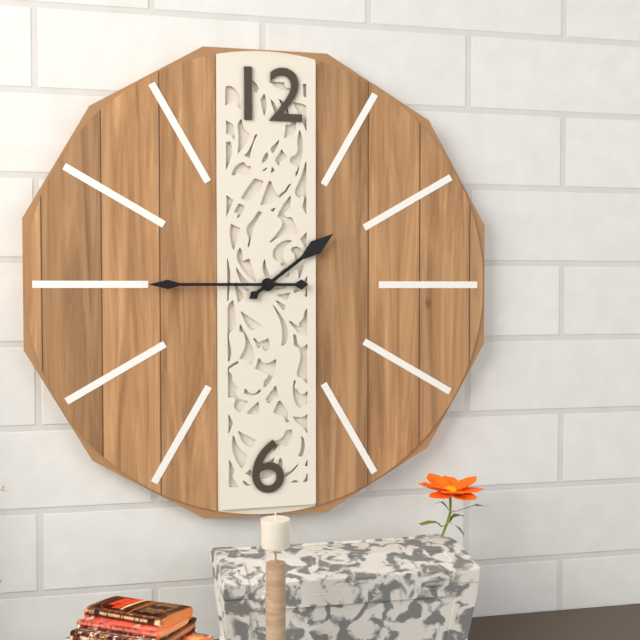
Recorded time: 1.45
